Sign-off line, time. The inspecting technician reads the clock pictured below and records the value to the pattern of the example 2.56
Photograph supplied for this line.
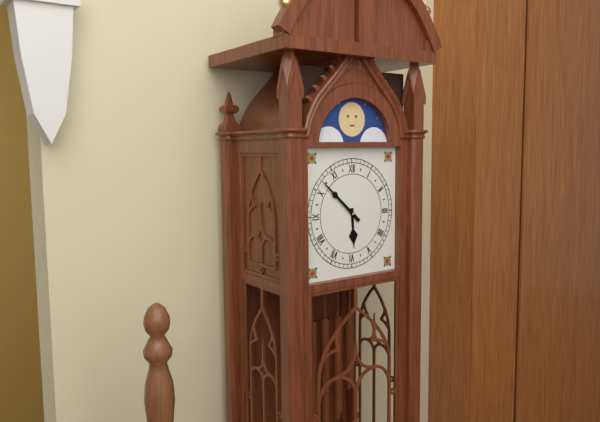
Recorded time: 5.52
